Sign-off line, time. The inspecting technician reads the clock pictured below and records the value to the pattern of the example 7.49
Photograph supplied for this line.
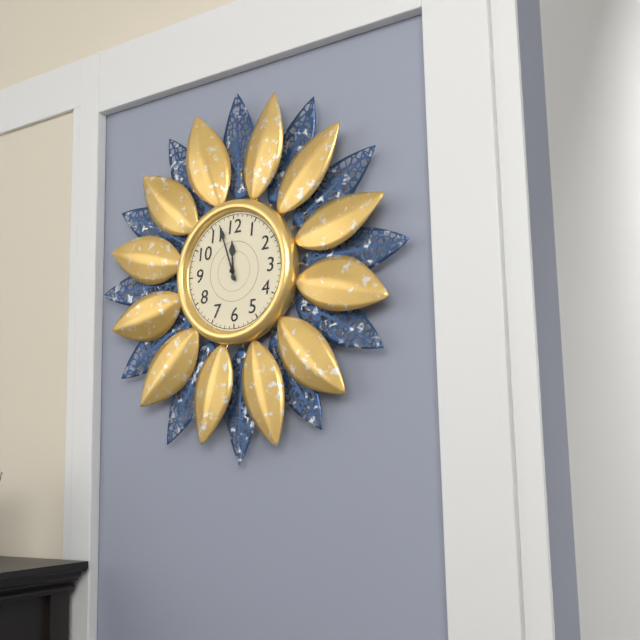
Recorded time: 11.57
